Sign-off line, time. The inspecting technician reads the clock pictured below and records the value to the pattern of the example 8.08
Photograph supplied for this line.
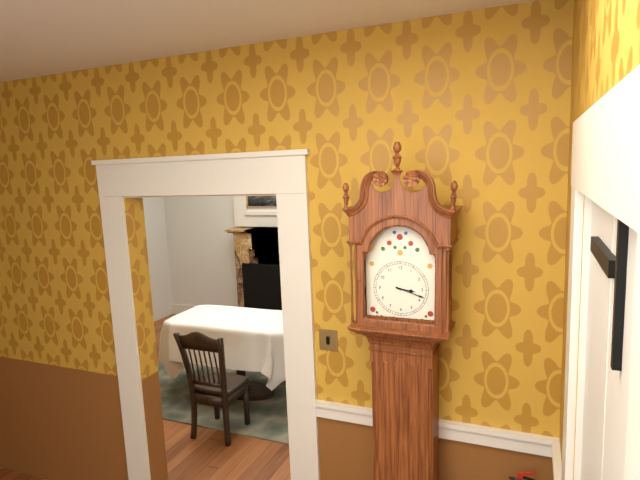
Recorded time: 3.18
